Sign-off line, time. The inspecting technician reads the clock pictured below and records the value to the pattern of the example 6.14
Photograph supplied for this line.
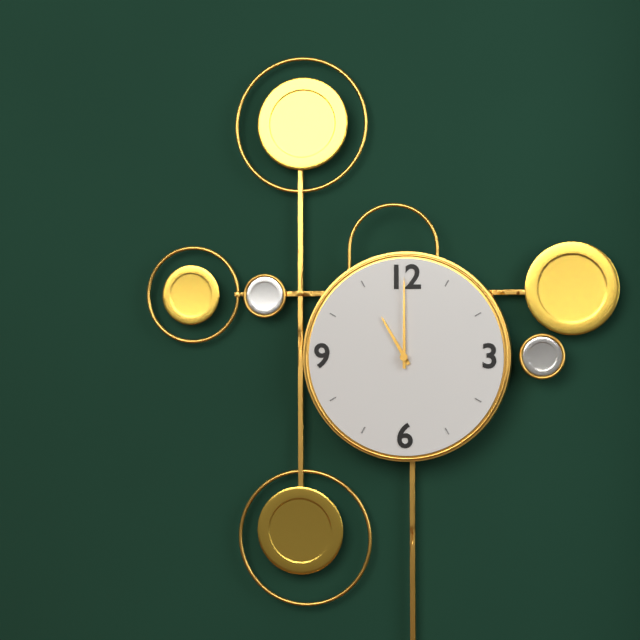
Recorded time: 11.00
